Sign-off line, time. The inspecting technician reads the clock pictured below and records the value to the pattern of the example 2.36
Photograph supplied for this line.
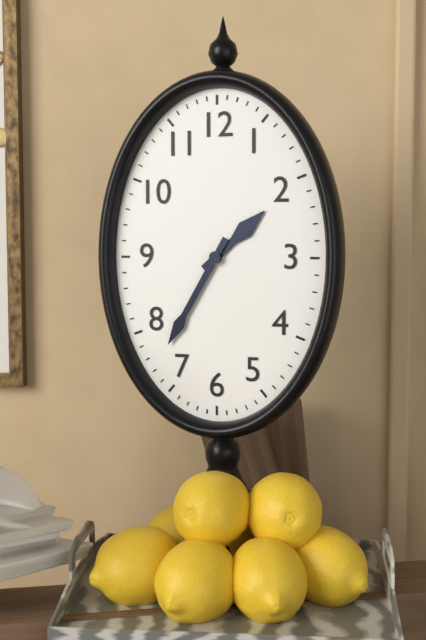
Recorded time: 1.35
